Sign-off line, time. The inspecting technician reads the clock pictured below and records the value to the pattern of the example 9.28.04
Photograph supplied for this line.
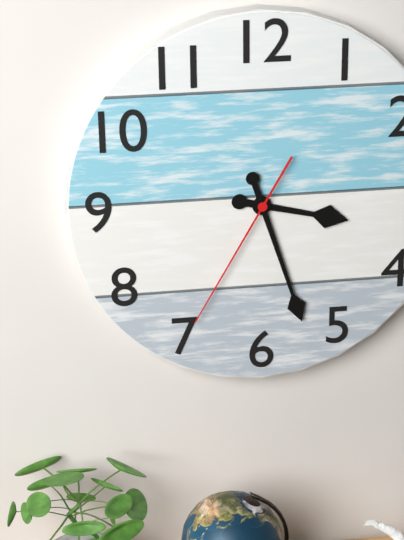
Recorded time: 3.27.35
